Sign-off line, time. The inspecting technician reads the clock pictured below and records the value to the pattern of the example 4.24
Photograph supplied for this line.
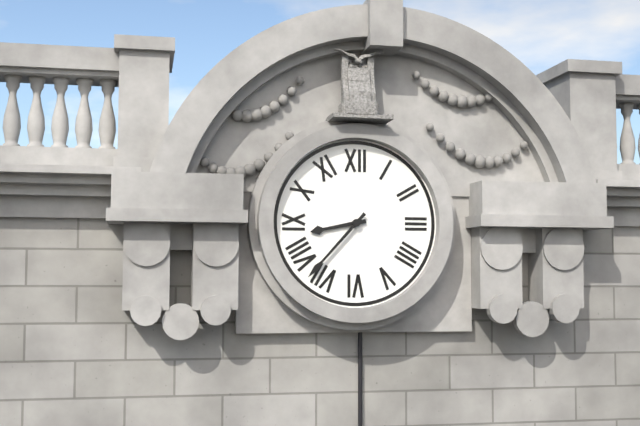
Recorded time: 8.37
